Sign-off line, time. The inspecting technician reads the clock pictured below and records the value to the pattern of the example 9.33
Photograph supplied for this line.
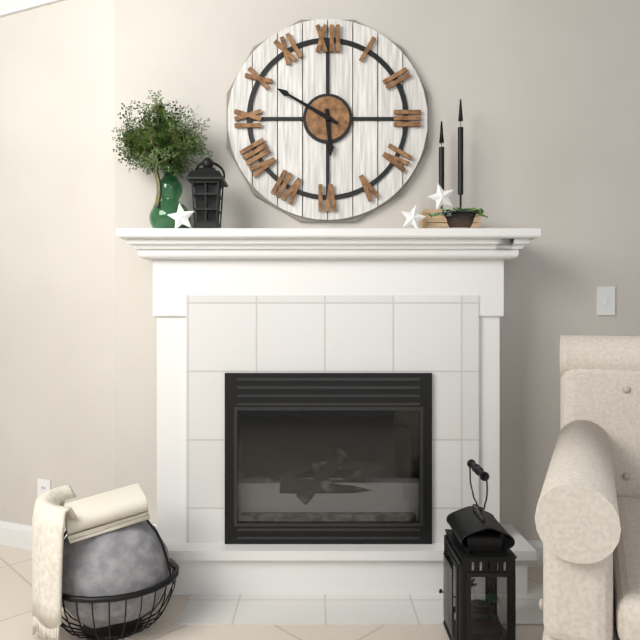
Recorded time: 5.50
